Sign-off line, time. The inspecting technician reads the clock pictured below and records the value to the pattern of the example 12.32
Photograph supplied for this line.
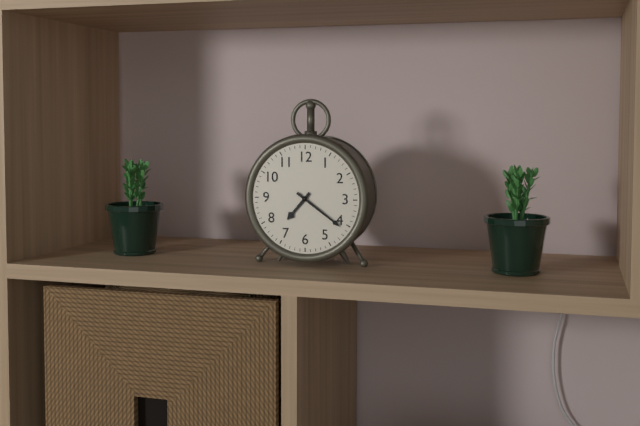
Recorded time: 7.21
